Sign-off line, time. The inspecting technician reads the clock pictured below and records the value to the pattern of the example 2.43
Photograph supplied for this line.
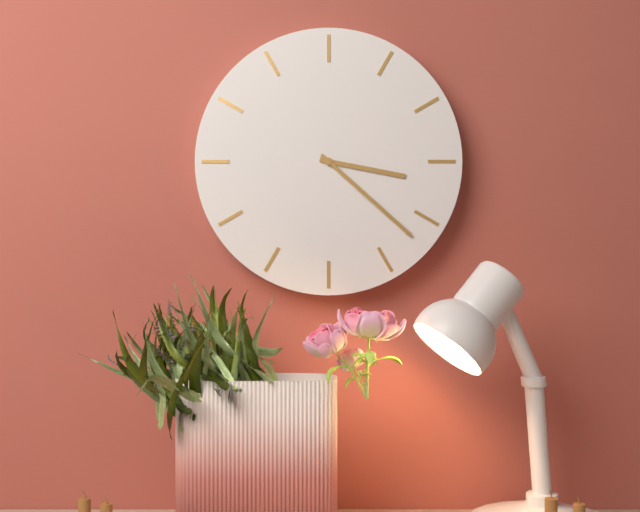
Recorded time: 3.22
